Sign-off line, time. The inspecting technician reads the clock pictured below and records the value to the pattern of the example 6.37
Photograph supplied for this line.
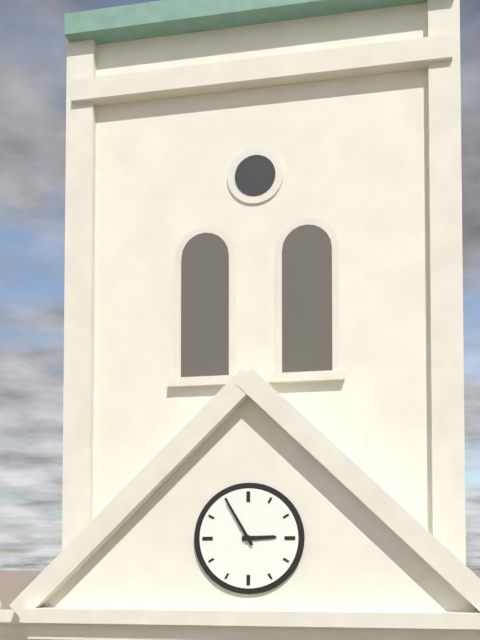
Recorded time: 2.55
